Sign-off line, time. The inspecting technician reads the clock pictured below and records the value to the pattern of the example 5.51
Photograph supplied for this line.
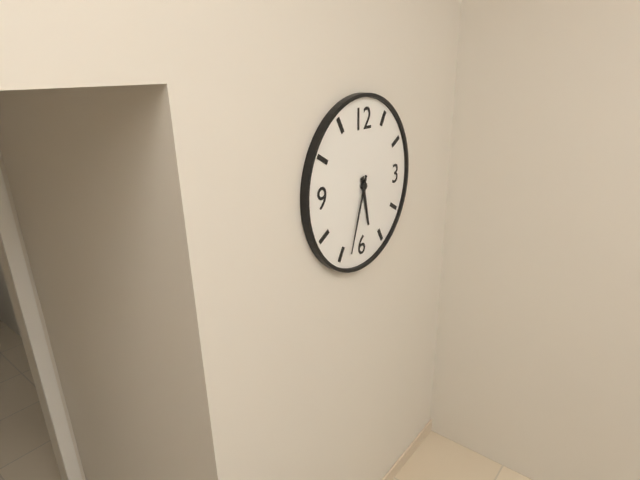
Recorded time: 5.33
